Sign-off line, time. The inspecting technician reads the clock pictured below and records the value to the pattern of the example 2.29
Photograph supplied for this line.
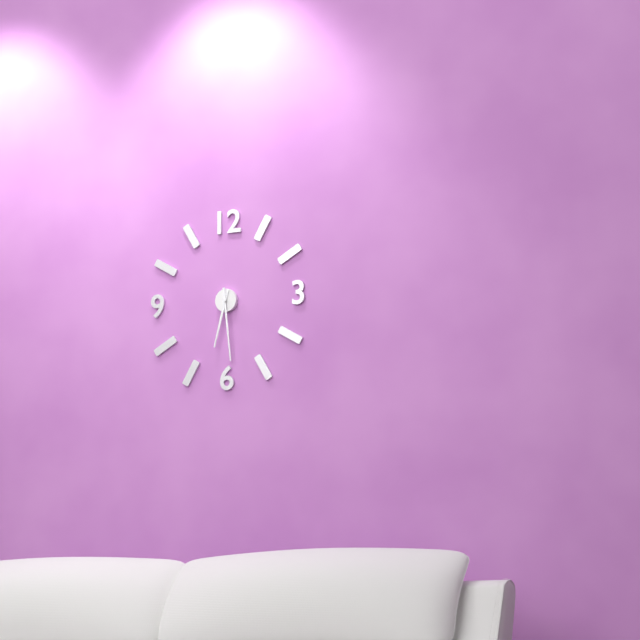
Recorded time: 6.29
